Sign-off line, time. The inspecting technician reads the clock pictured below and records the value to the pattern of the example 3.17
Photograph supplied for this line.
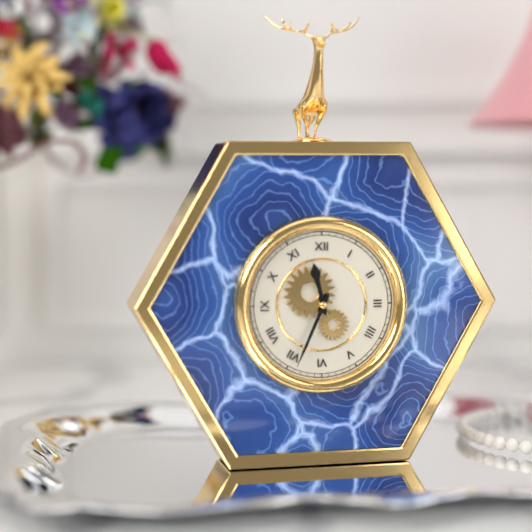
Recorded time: 11.34
